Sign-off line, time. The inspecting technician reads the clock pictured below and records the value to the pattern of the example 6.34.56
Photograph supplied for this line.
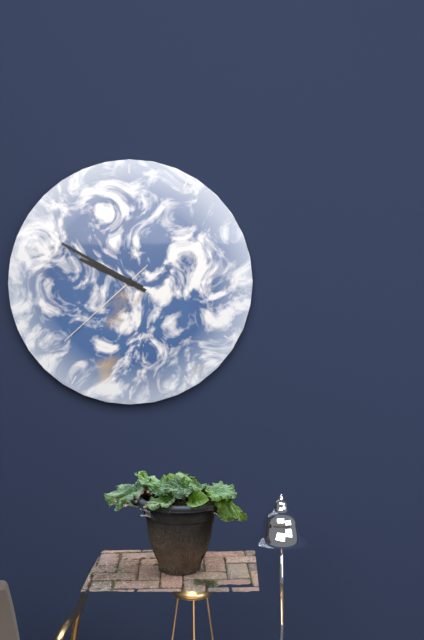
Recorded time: 9.50.38
